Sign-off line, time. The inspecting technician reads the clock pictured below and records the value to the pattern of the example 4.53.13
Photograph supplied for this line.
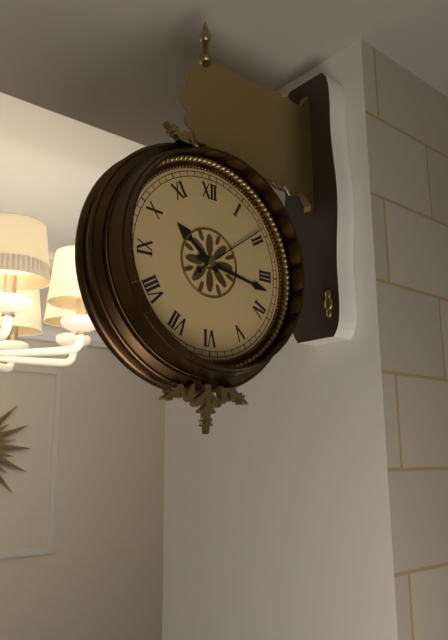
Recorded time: 10.17.09
